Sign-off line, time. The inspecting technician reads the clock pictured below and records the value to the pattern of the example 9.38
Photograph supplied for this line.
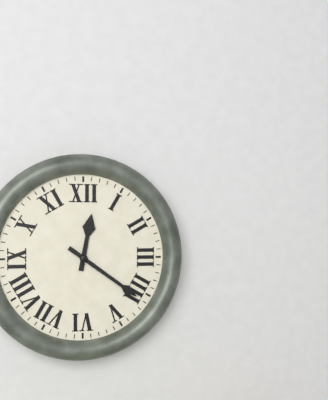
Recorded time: 12.21
